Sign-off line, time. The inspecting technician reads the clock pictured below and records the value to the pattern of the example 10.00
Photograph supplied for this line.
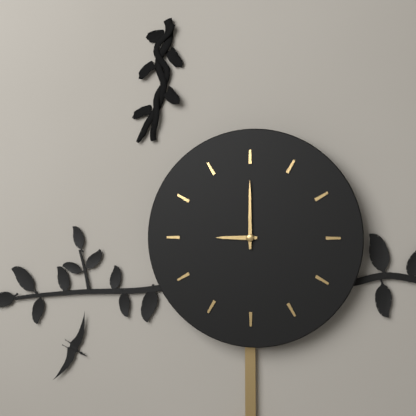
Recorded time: 9.00
